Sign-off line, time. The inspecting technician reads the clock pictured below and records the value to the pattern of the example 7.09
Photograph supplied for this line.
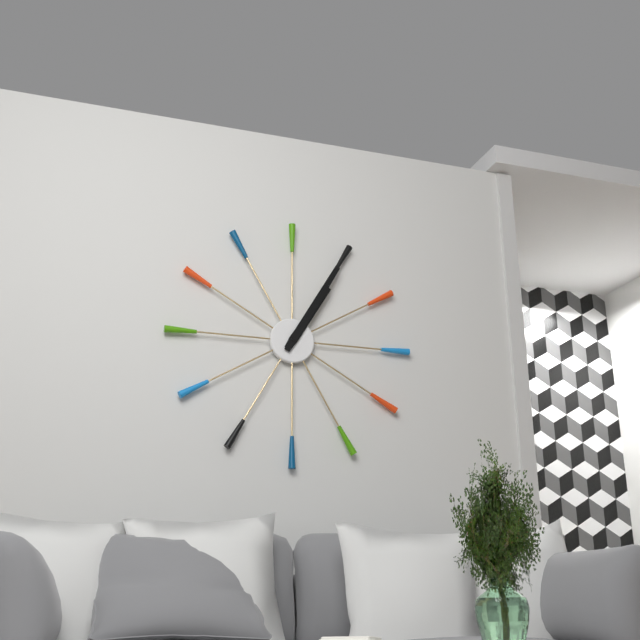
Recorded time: 1.05
